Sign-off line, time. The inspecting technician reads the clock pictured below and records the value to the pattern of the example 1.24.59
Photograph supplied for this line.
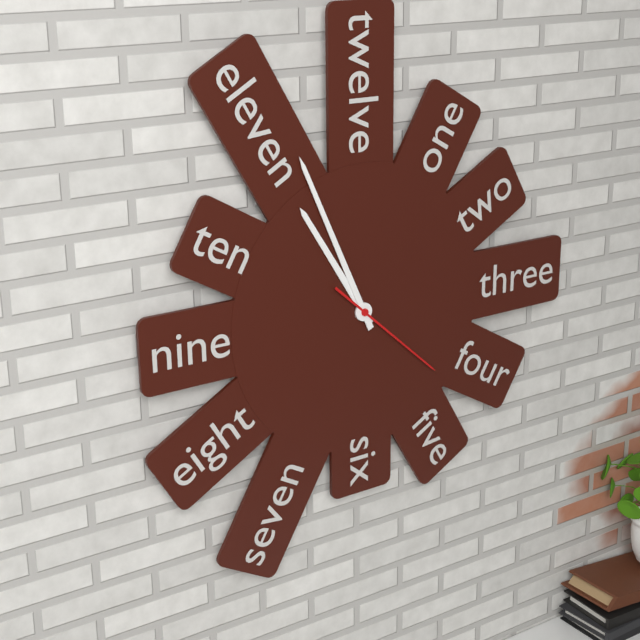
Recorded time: 10.56.22
